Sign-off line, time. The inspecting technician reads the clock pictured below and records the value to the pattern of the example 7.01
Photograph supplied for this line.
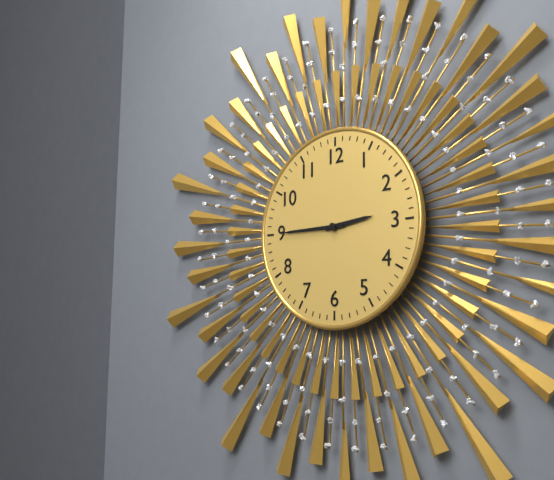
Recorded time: 2.45
